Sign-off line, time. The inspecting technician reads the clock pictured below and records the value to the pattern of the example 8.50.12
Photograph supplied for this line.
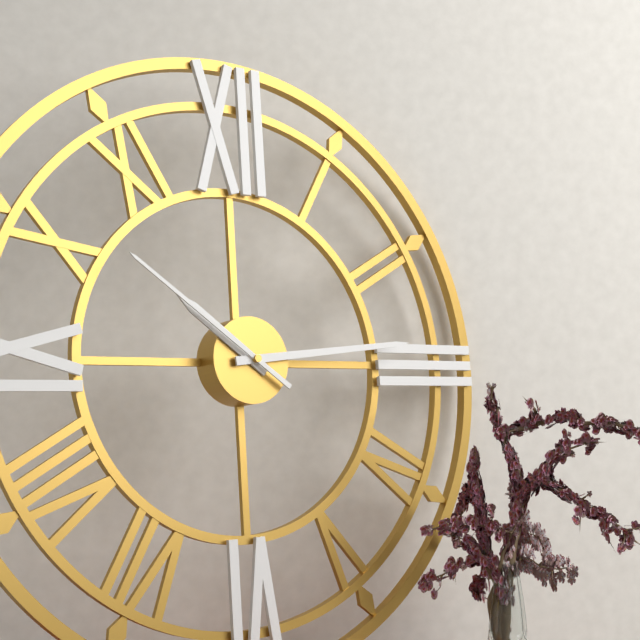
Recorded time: 10.14.51
